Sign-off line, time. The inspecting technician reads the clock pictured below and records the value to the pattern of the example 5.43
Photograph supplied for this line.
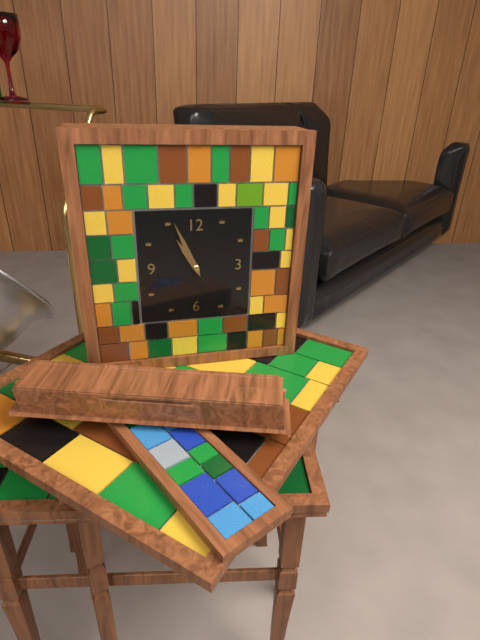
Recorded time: 10.56
